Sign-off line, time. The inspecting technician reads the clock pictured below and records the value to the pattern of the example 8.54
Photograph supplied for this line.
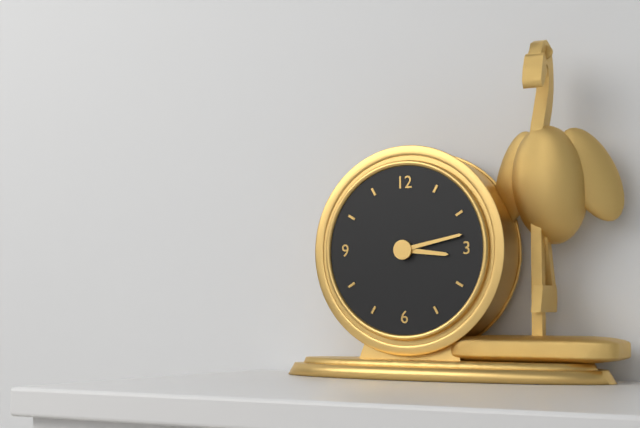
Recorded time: 3.13
